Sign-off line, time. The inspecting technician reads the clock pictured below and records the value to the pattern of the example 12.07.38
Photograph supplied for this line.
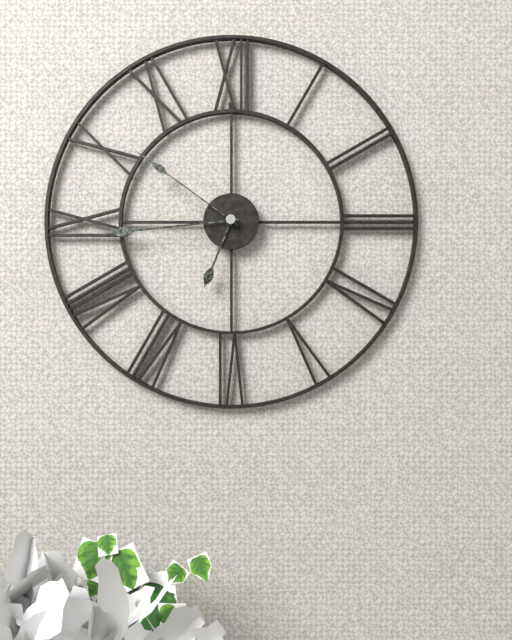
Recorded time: 6.44.51
